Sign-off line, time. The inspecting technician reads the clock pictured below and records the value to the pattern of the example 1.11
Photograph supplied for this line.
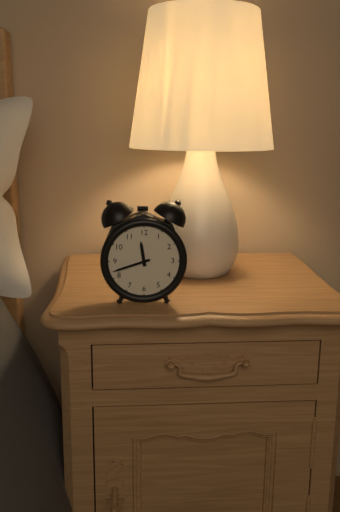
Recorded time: 11.42
